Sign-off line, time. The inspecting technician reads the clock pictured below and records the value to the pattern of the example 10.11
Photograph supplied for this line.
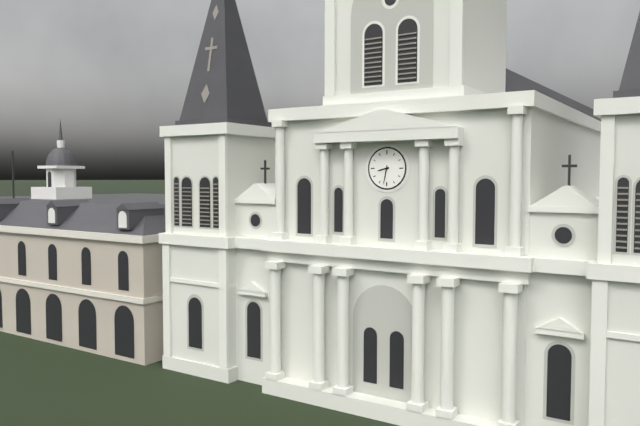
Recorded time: 8.32
